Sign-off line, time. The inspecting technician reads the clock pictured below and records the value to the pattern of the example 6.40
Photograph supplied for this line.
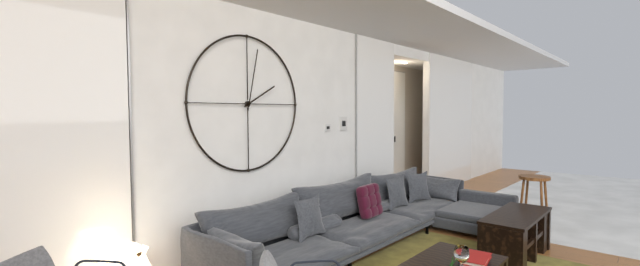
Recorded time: 2.02
